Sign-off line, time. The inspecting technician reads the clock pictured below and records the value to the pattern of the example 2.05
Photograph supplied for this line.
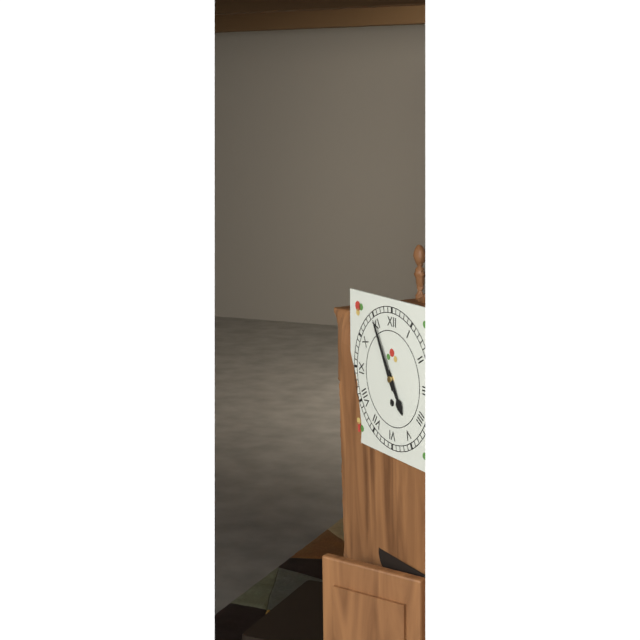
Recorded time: 4.55
